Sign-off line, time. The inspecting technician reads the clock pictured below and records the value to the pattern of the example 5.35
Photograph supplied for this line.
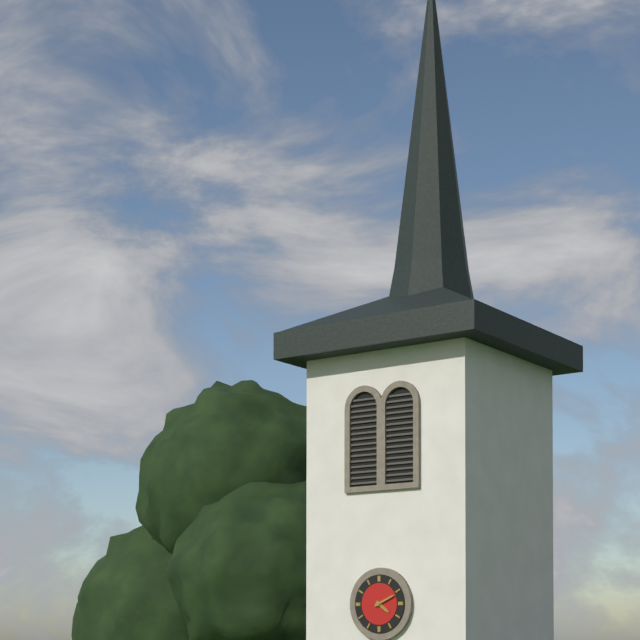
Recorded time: 4.11
